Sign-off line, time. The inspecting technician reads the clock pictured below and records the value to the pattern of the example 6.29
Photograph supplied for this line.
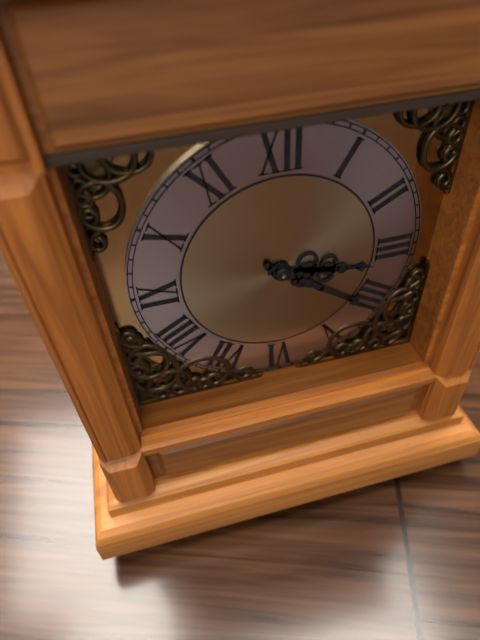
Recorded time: 3.21
